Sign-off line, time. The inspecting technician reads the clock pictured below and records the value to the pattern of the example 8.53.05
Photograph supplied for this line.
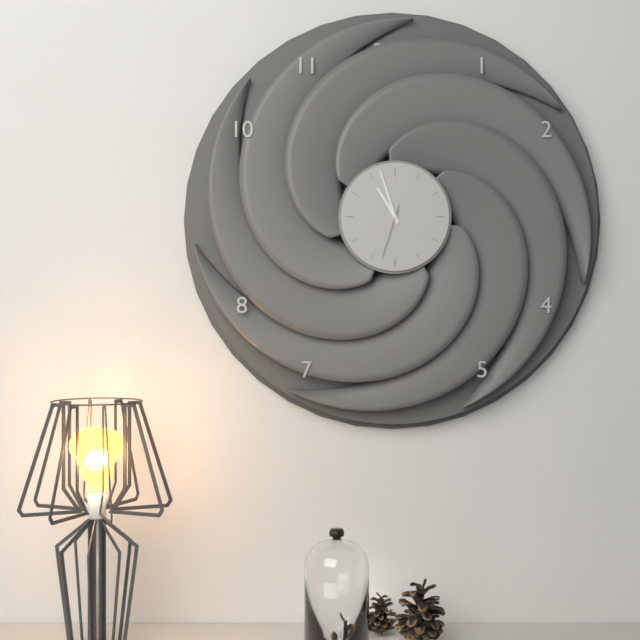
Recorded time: 10.57.33
